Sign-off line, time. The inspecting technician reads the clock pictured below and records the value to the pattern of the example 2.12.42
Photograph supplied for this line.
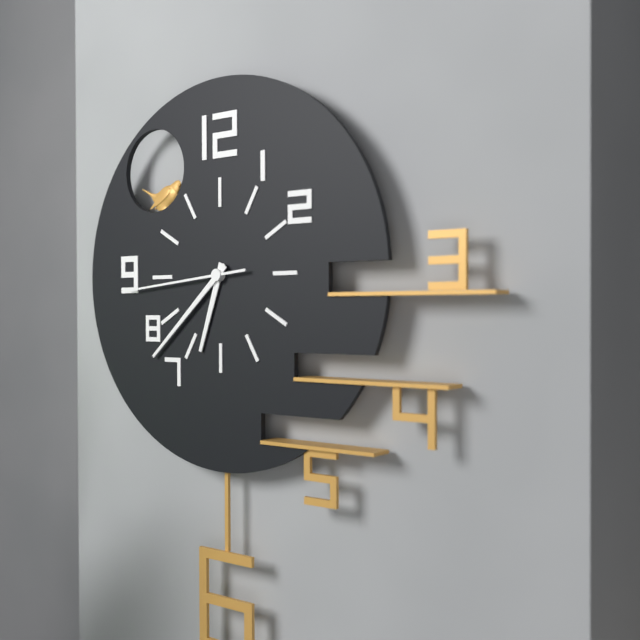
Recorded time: 6.38.44
